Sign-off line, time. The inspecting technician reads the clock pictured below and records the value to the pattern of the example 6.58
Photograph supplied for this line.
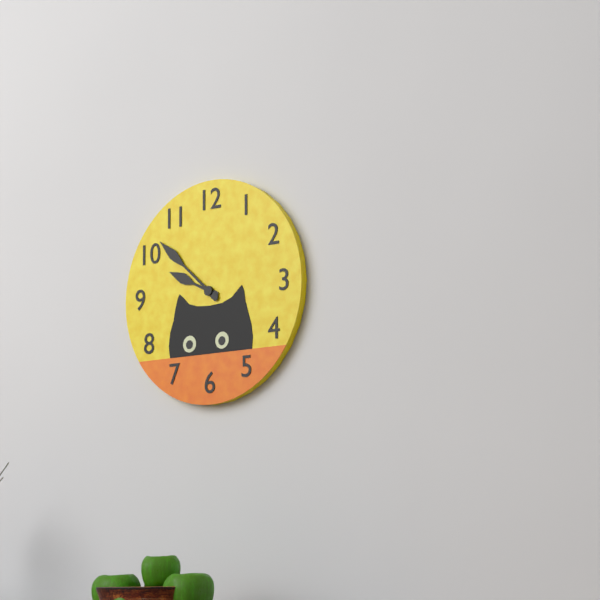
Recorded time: 9.52
